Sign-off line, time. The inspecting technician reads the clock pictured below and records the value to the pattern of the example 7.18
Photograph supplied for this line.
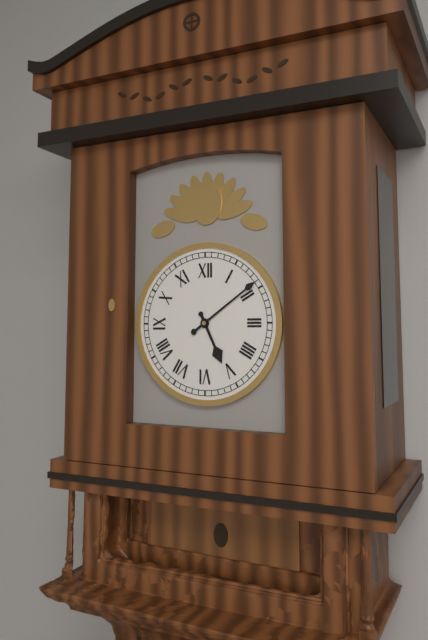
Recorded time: 5.09
